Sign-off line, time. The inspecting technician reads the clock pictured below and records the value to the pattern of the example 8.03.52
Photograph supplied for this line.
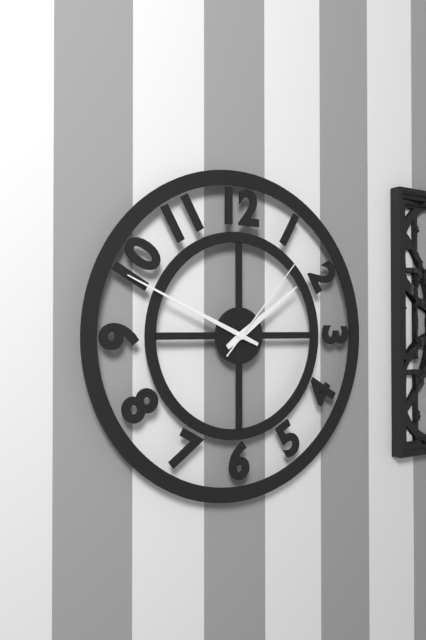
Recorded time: 1.49.07
